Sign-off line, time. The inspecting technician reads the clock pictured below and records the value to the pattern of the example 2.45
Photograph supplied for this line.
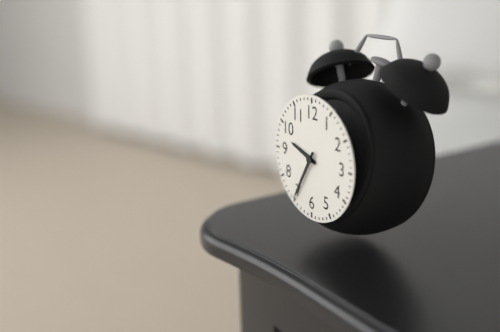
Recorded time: 9.35
